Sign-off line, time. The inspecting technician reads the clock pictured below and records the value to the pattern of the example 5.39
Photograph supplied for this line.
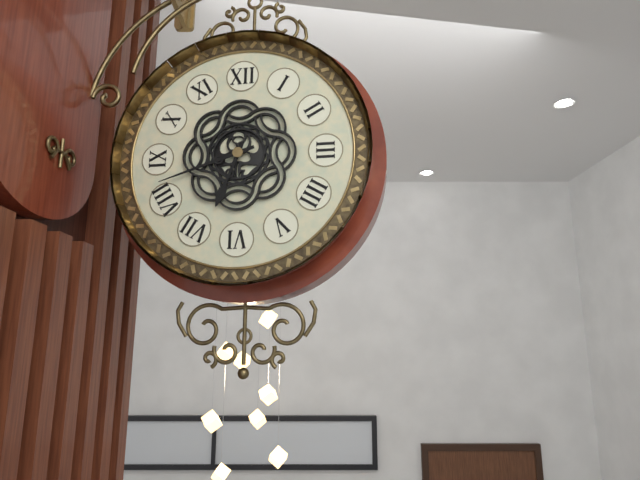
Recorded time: 6.42
